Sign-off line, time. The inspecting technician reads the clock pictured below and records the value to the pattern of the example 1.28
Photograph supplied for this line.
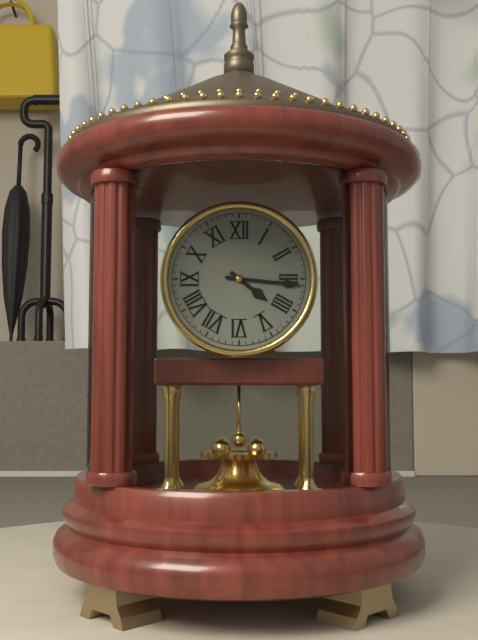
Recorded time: 4.16
